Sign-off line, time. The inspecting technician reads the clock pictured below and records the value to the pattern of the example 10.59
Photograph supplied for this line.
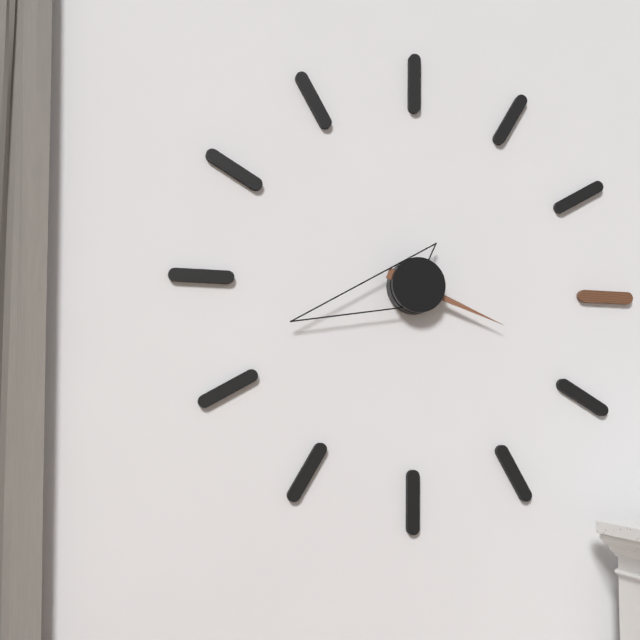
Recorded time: 3.42
